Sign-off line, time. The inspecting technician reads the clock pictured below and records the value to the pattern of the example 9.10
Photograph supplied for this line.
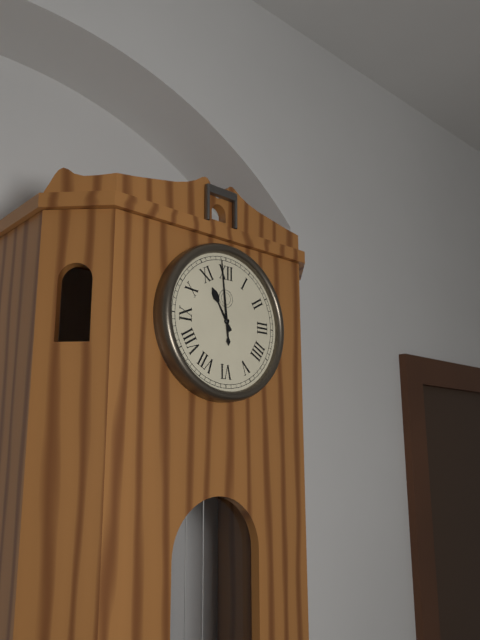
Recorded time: 10.59
